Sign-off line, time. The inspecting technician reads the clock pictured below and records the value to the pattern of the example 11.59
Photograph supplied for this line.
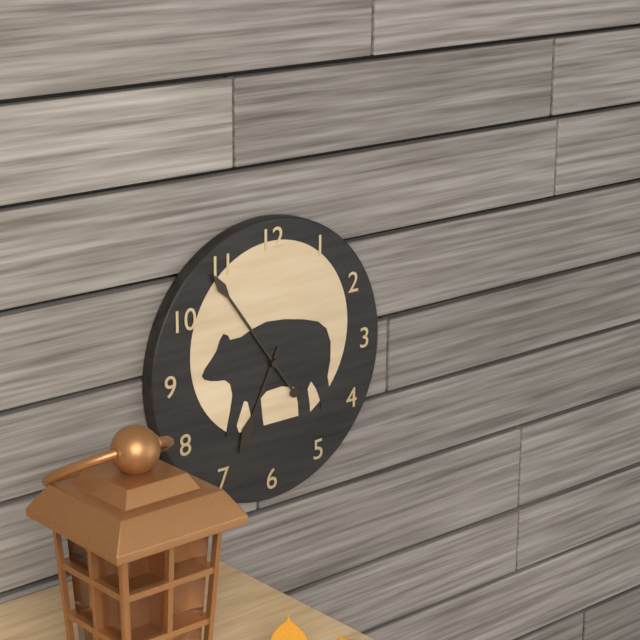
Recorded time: 6.54
